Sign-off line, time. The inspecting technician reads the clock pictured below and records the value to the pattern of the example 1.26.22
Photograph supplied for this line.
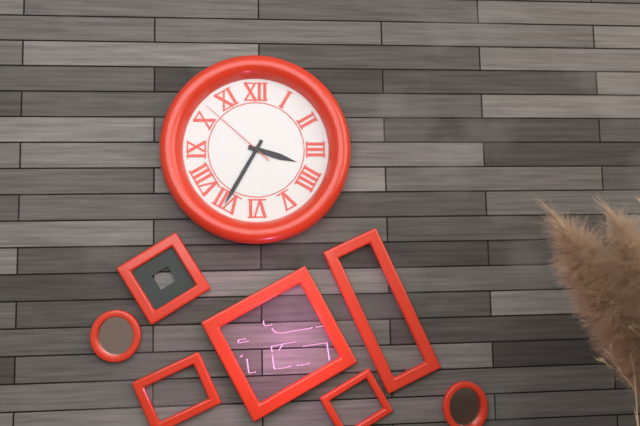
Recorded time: 3.35.52
